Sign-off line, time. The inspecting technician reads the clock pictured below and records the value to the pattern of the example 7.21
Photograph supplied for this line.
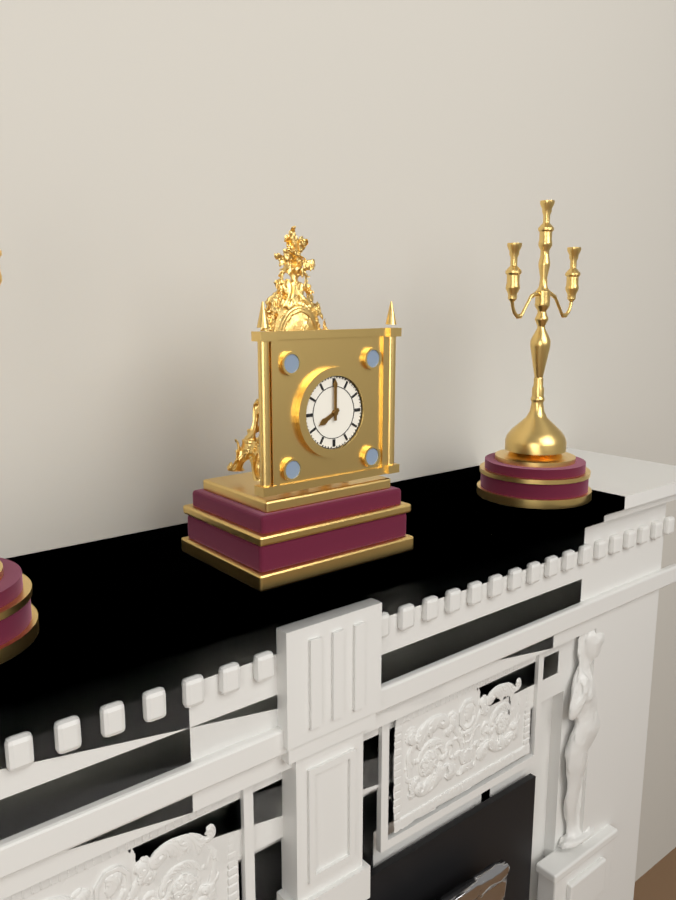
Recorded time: 8.00
